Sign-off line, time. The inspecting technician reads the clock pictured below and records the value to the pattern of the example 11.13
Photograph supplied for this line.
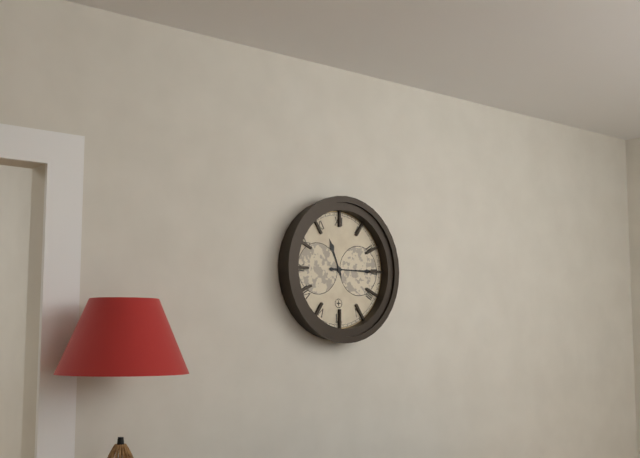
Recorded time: 11.15
